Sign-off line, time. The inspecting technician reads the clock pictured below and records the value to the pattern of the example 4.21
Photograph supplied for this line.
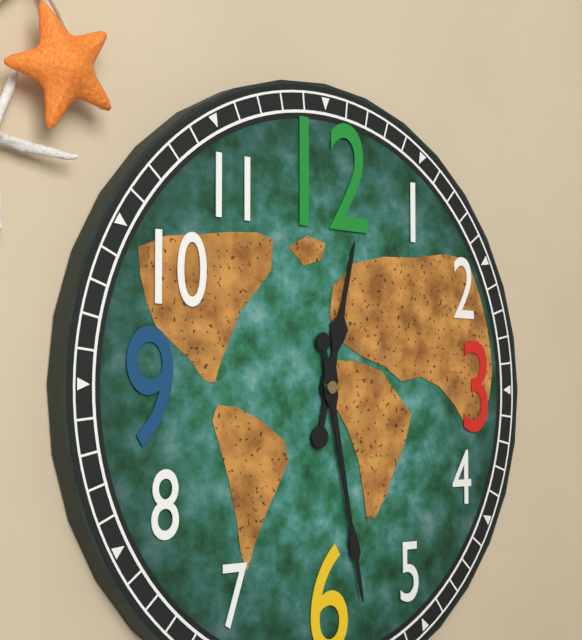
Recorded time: 12.28
